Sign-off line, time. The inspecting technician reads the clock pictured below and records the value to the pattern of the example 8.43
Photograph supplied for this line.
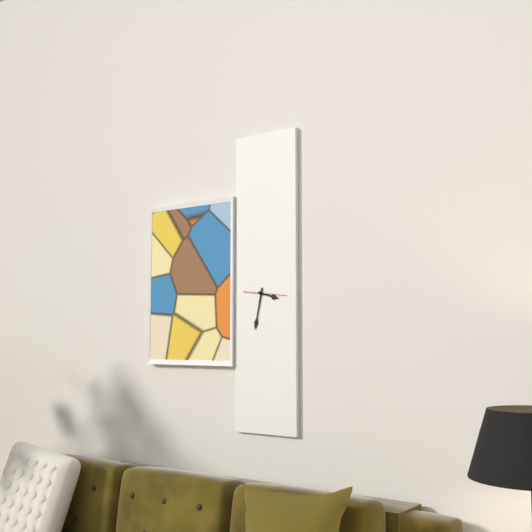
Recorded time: 3.32
